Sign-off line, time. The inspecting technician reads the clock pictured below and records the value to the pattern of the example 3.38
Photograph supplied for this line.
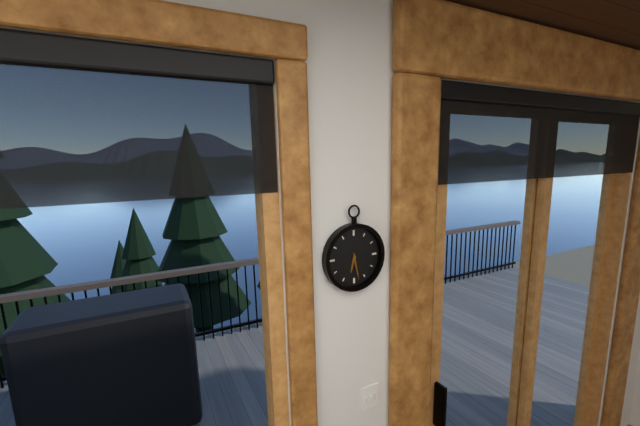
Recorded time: 6.28
